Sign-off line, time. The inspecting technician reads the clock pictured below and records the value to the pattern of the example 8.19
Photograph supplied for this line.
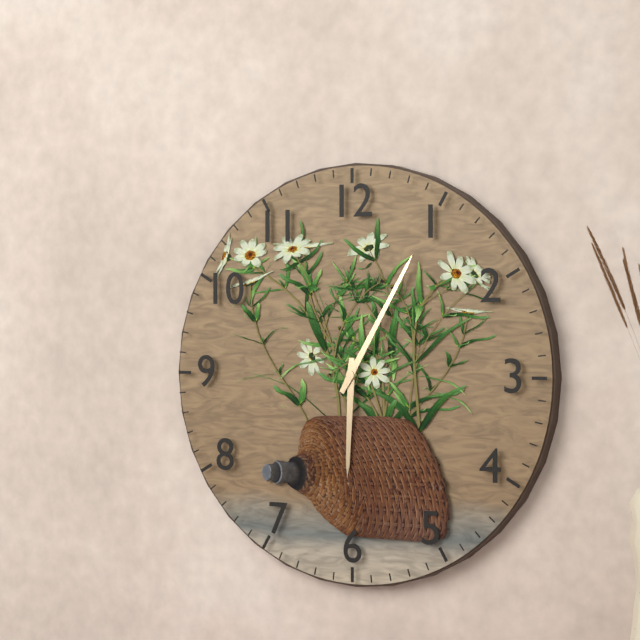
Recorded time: 6.05
